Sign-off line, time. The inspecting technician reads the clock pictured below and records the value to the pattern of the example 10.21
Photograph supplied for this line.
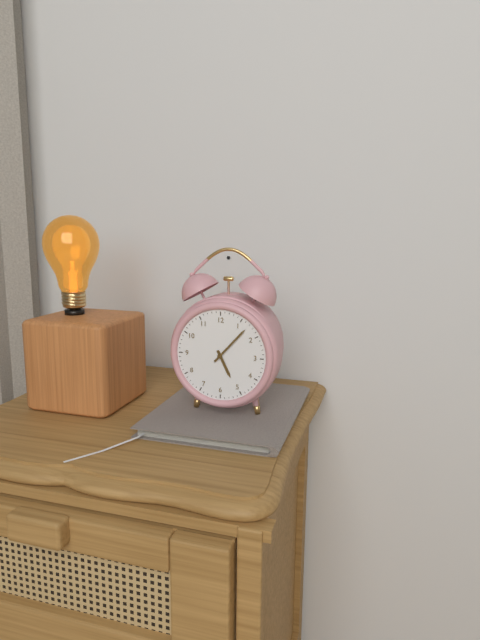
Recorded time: 5.07
